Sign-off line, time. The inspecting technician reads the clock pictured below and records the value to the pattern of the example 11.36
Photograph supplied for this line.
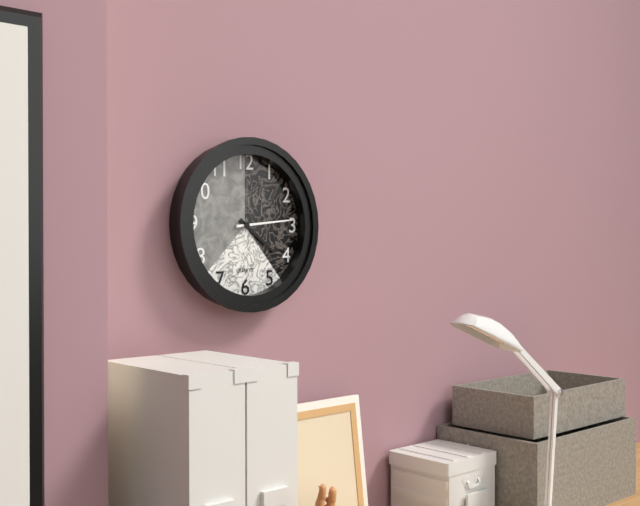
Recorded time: 4.14
